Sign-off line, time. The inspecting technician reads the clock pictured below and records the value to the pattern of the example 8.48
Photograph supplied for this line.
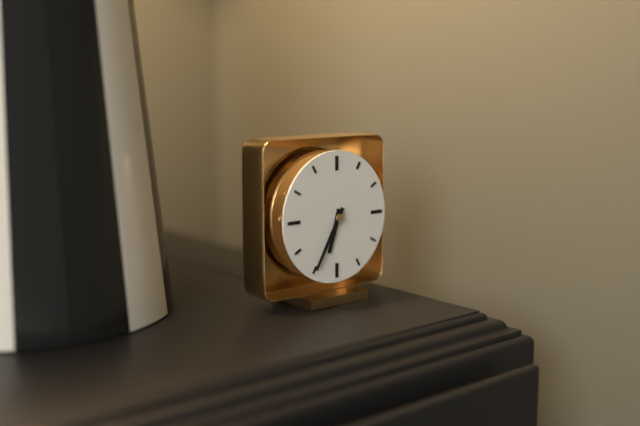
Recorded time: 6.35
